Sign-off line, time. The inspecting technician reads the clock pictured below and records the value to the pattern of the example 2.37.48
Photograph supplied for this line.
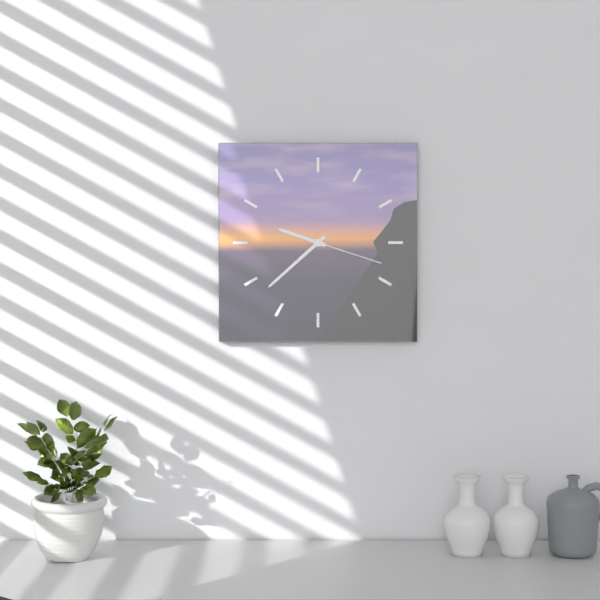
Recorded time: 9.38.18
